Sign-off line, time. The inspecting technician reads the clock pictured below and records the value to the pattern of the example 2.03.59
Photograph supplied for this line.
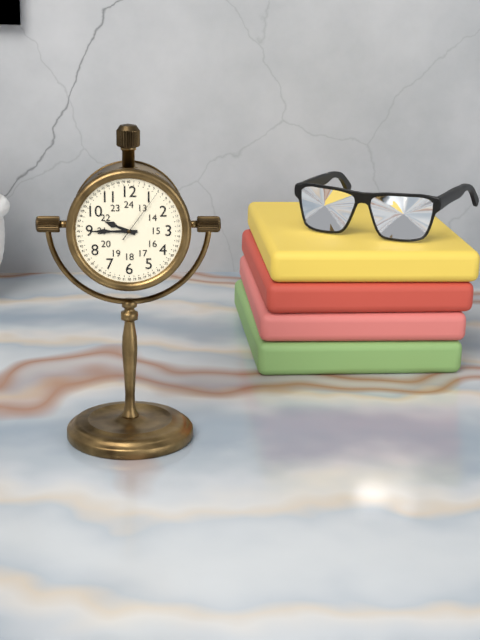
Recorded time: 9.45.06
